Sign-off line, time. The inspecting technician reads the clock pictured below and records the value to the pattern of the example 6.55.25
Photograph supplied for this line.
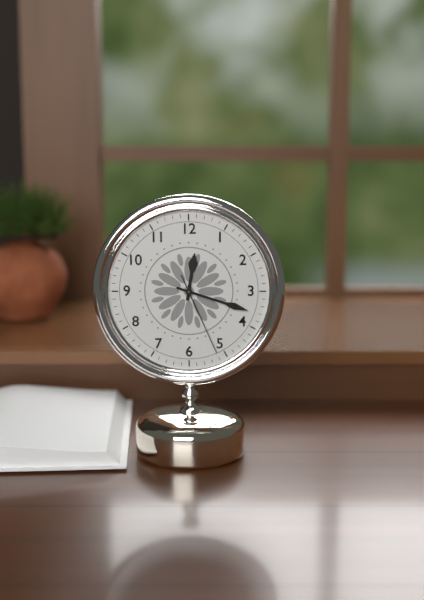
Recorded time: 12.18.26
